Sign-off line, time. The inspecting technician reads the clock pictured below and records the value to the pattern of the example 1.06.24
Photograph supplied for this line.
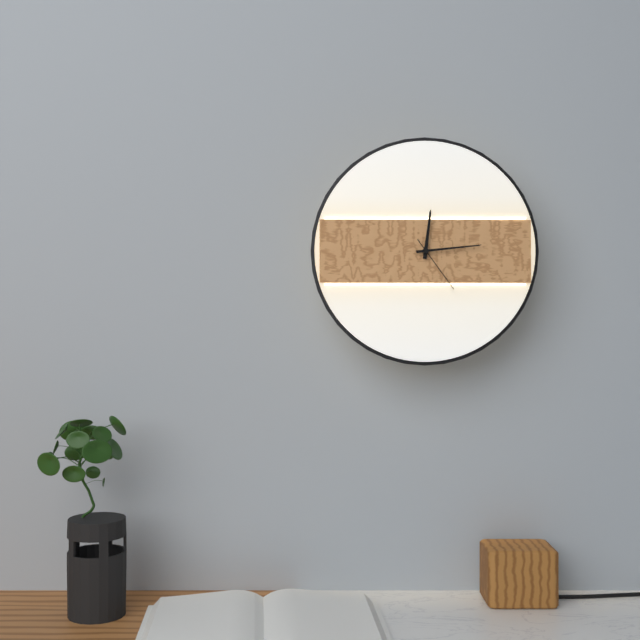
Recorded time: 12.14.24
